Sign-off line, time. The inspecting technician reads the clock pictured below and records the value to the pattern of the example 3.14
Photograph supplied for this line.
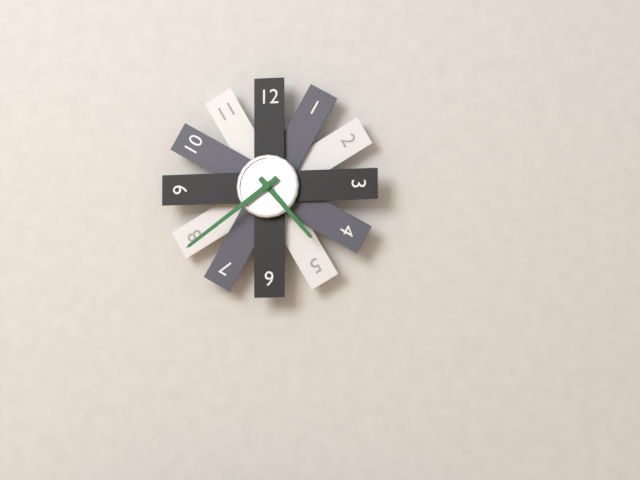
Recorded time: 4.39
